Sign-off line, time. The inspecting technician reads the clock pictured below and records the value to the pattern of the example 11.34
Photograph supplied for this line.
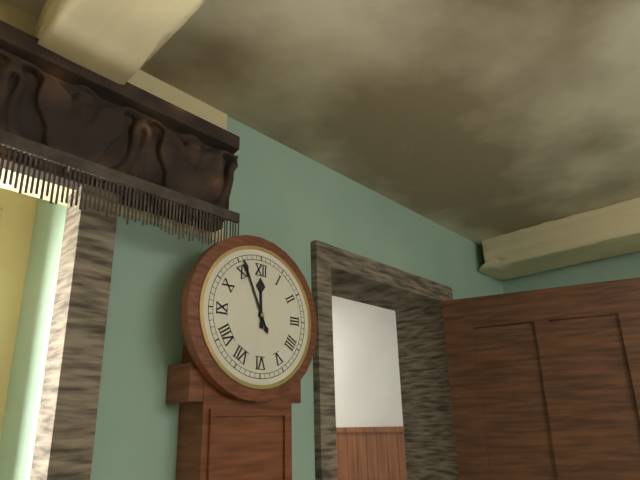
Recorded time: 11.56
